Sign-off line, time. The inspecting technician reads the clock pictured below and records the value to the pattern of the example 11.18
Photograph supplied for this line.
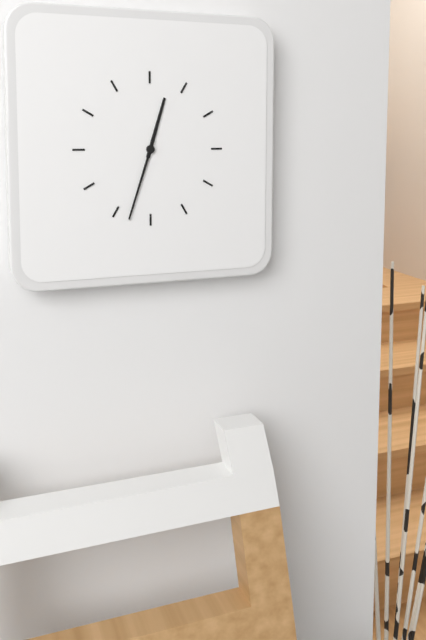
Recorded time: 12.33
